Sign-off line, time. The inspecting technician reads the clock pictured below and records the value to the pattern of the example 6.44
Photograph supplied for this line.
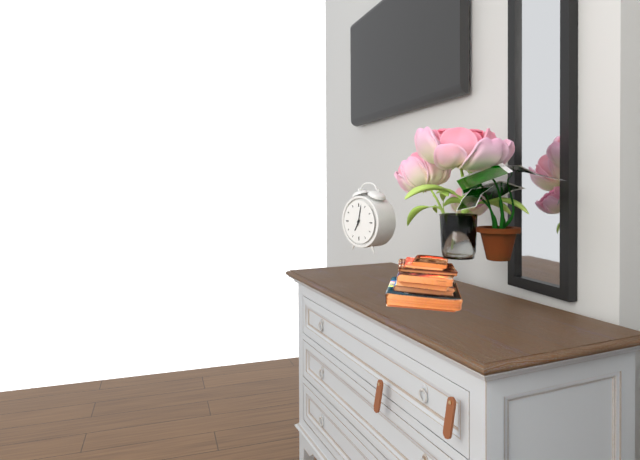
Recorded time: 7.02
